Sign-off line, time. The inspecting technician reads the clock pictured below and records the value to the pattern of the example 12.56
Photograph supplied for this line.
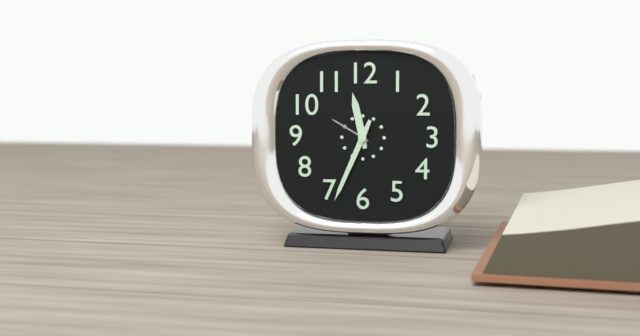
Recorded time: 11.34
